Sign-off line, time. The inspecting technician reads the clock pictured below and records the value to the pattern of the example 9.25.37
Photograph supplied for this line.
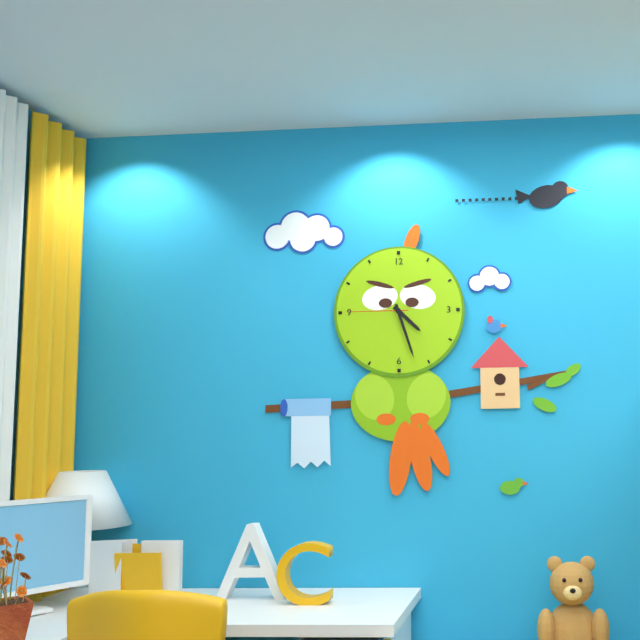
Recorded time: 4.27.45
